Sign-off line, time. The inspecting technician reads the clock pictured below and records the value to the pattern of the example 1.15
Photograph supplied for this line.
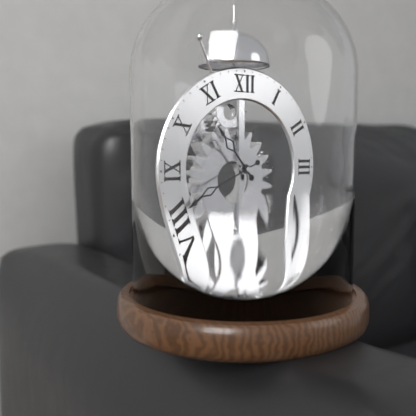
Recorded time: 10.41
